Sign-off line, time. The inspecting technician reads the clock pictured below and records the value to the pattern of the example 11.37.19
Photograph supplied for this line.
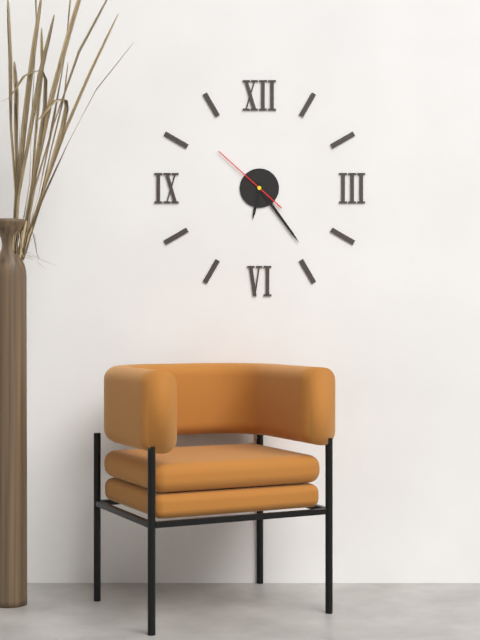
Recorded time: 6.24.52
